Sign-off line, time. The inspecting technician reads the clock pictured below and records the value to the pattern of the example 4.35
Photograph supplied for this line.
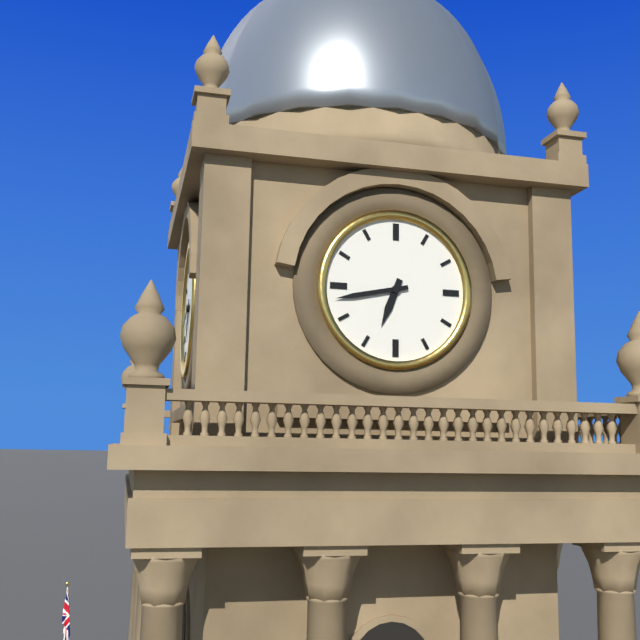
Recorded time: 6.43
